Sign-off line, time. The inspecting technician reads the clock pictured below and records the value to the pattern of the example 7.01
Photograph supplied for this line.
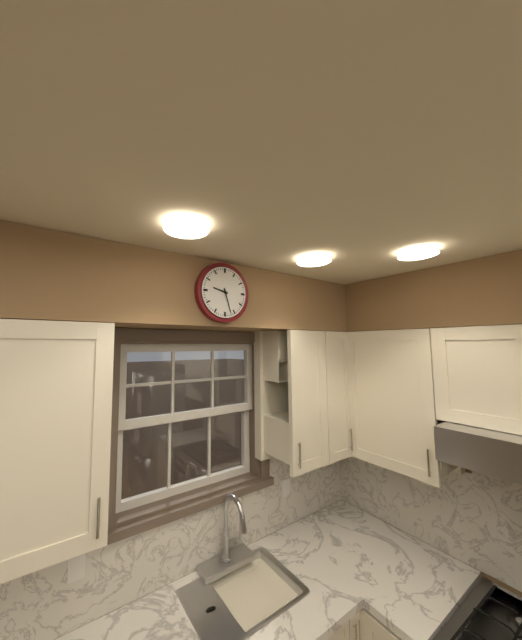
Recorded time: 9.27
